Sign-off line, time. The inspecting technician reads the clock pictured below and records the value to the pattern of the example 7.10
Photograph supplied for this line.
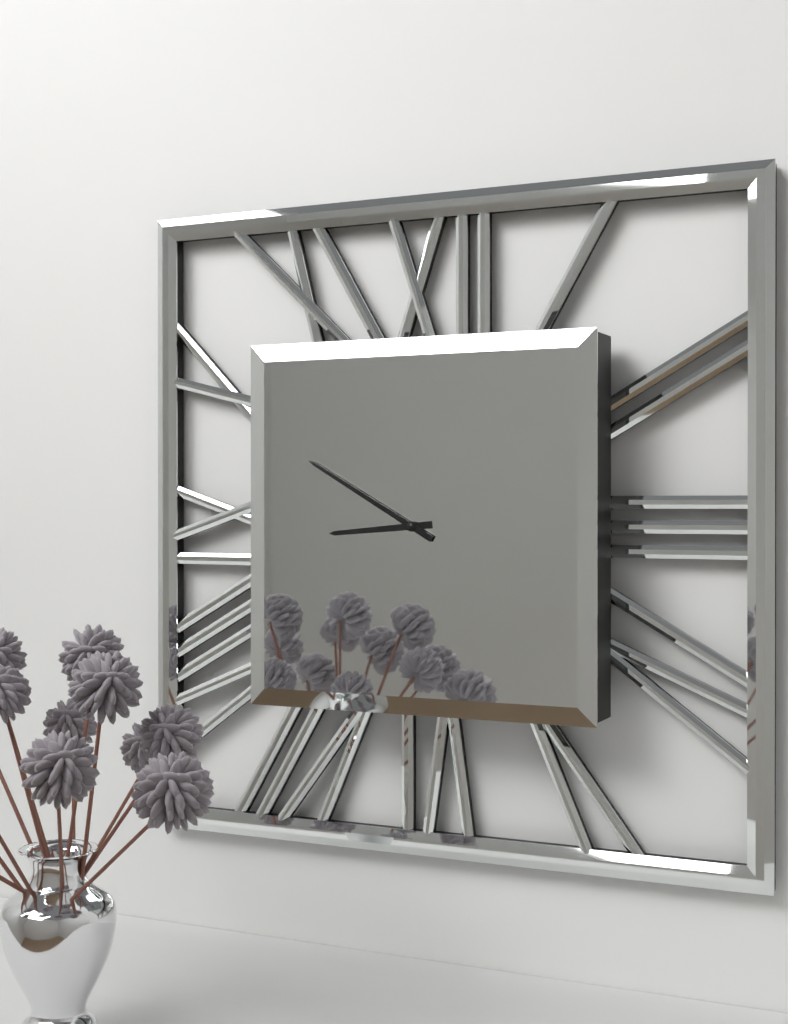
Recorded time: 8.50
